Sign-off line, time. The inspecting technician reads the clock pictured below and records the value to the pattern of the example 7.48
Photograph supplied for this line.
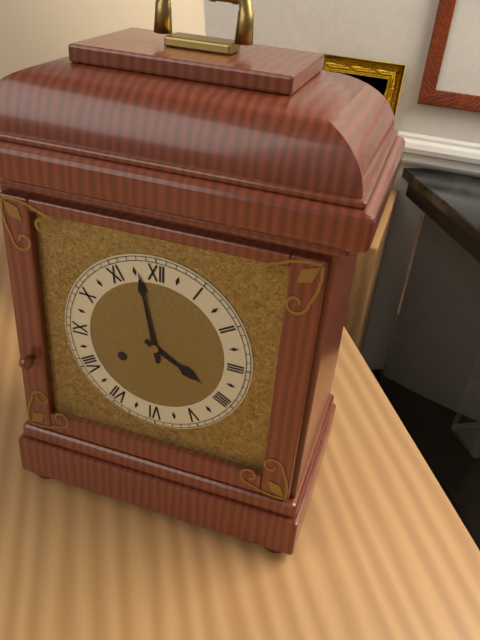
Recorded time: 3.58
